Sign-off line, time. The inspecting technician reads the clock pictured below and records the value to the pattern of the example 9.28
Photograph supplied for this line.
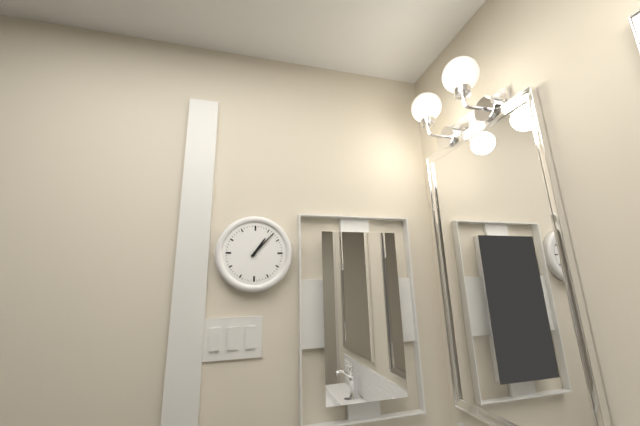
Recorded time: 1.07
